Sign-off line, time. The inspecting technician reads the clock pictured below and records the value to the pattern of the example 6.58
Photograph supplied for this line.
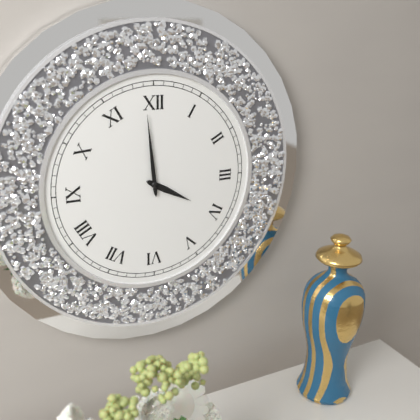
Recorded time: 3.59
